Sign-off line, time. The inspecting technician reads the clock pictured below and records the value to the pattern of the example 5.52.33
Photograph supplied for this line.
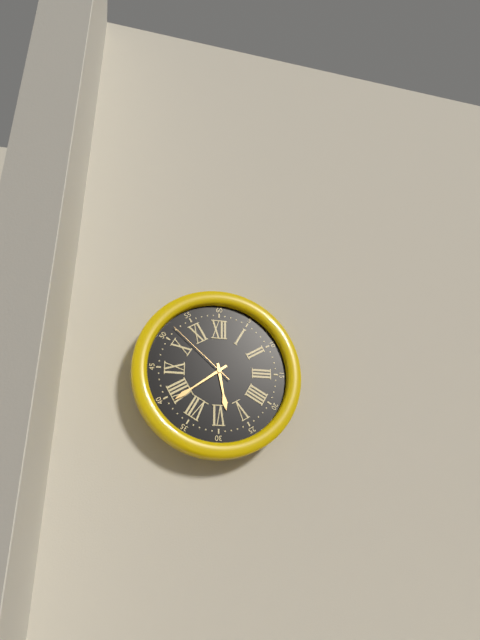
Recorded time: 5.39.52
